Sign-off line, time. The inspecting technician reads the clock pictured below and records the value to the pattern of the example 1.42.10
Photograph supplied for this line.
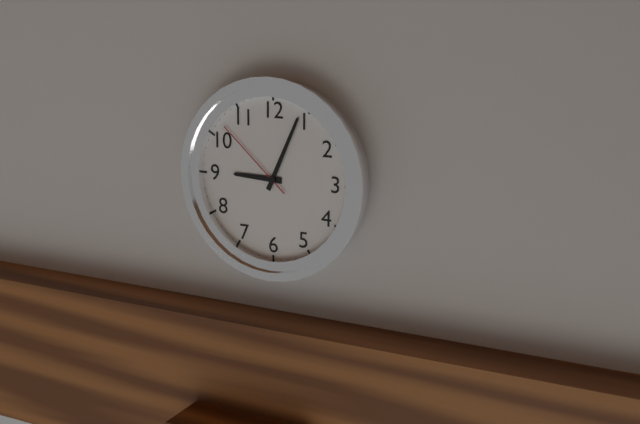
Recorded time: 9.04.52
